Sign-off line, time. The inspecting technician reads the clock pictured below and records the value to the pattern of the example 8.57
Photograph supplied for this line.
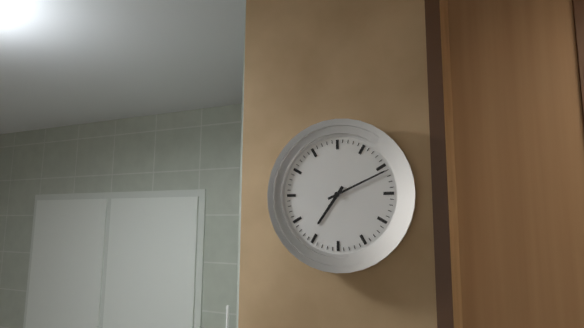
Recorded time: 7.11
